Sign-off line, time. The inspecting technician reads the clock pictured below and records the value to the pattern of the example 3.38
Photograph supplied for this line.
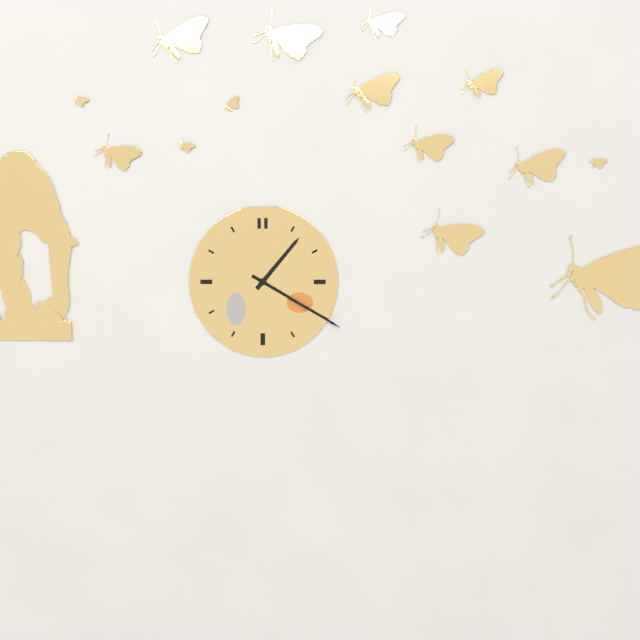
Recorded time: 1.20
